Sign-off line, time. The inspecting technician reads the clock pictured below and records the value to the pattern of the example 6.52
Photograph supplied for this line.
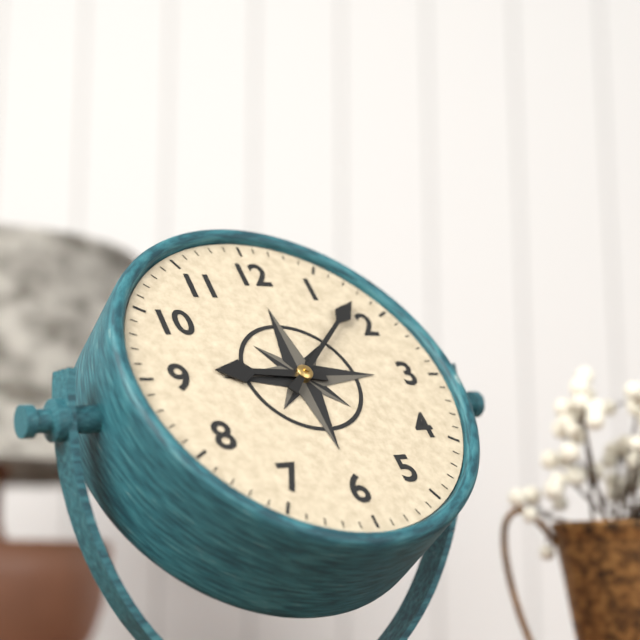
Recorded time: 9.08
